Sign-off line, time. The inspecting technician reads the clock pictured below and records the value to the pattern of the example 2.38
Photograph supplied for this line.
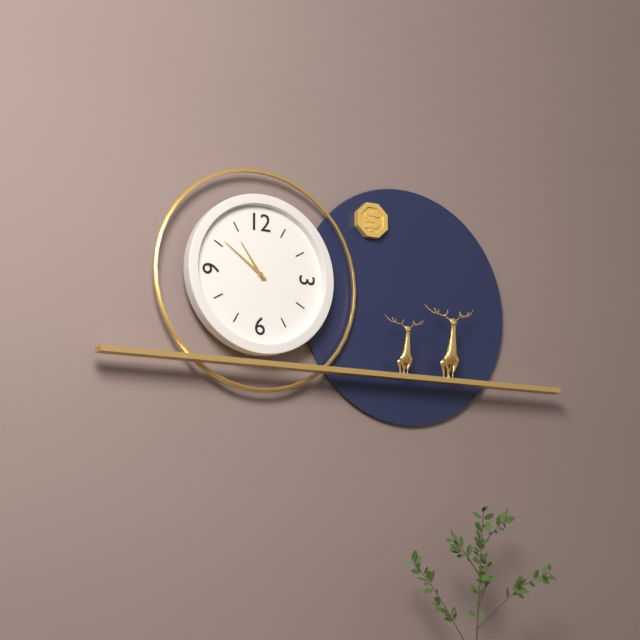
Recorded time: 10.51
